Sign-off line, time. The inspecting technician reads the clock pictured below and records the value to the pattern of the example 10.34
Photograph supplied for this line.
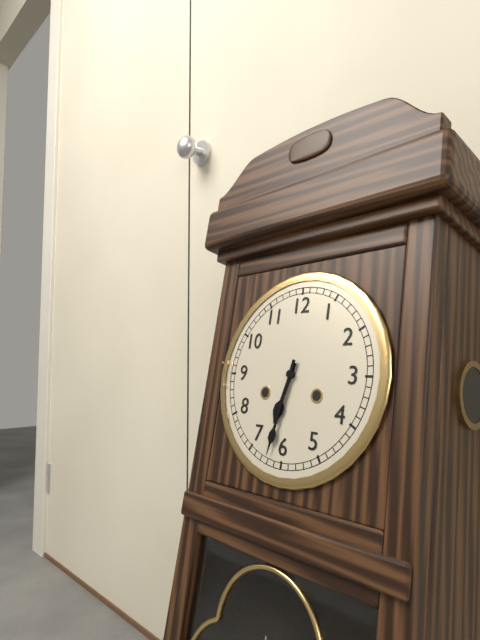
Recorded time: 6.32
